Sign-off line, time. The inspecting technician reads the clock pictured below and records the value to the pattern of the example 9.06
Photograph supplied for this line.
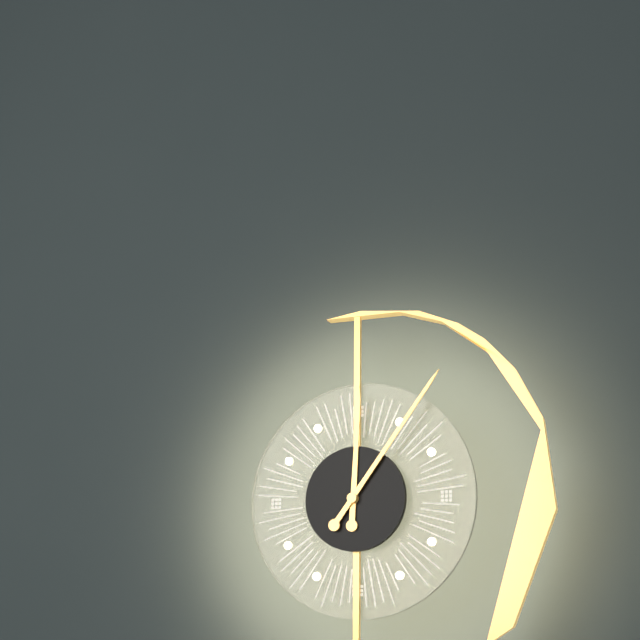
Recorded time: 12.06
